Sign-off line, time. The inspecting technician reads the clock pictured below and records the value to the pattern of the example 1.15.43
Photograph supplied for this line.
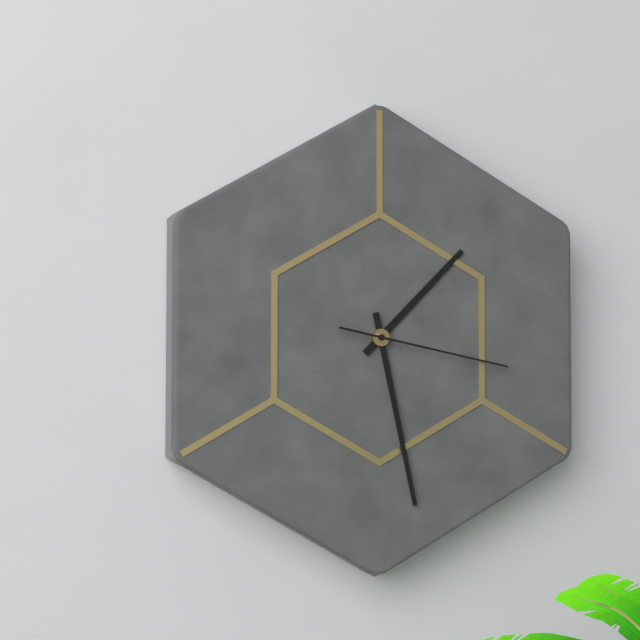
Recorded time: 1.28.17
